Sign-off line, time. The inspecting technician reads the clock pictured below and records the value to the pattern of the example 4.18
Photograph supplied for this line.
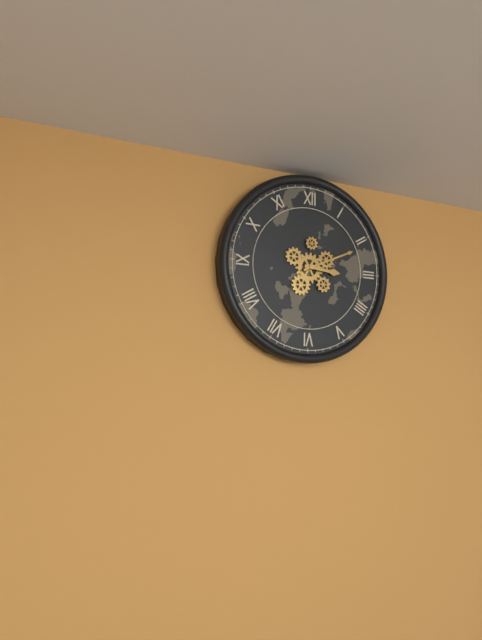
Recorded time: 3.11
